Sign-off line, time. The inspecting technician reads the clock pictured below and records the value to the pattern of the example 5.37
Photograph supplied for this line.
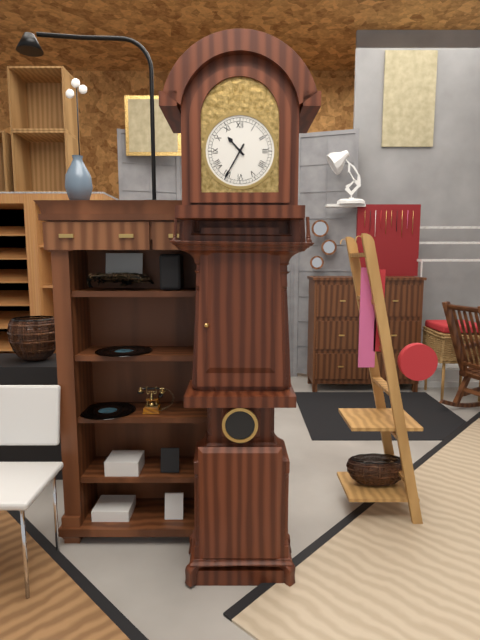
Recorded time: 10.35
